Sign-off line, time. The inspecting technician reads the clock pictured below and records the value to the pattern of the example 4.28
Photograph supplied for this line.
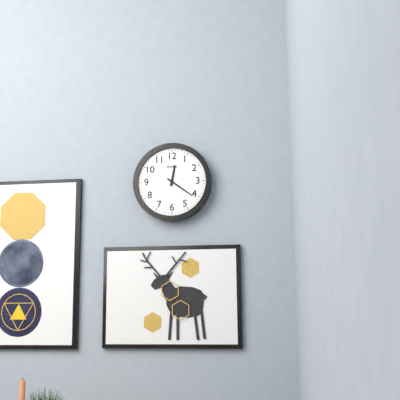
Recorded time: 12.21
